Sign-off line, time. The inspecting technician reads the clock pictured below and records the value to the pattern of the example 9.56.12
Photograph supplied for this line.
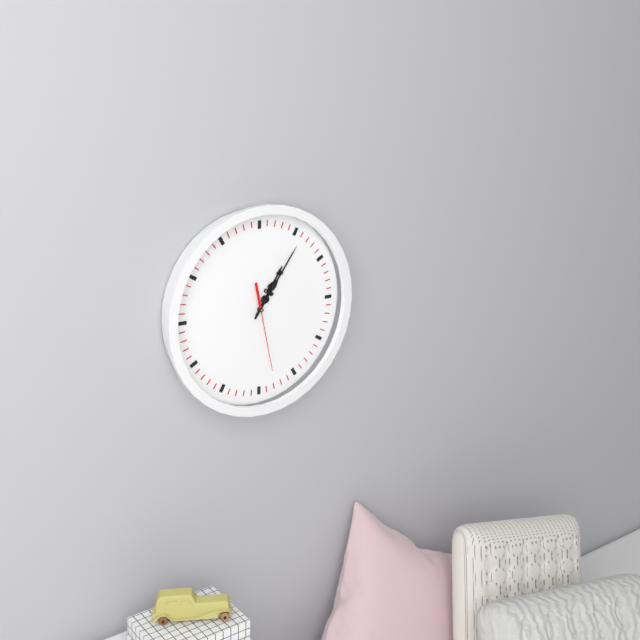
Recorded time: 1.06.28
